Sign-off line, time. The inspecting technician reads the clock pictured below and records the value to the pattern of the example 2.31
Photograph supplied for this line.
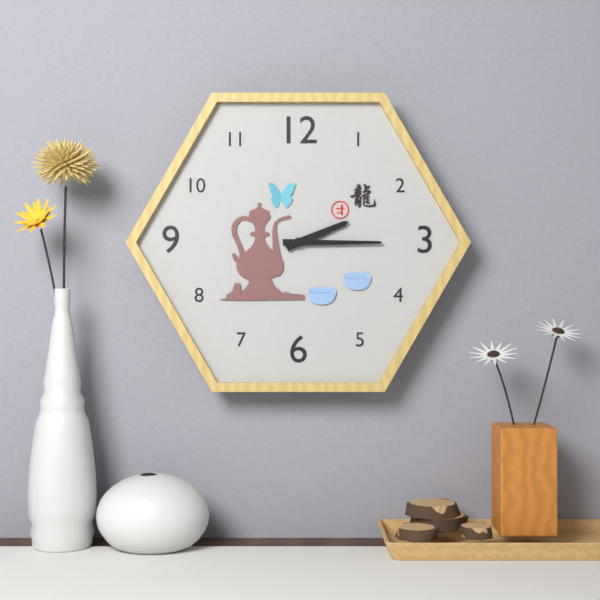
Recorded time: 2.15
